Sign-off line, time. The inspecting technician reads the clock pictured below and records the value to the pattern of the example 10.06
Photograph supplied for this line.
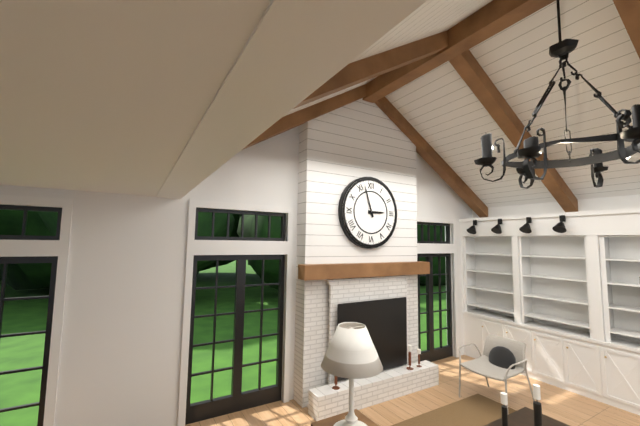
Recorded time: 2.57
